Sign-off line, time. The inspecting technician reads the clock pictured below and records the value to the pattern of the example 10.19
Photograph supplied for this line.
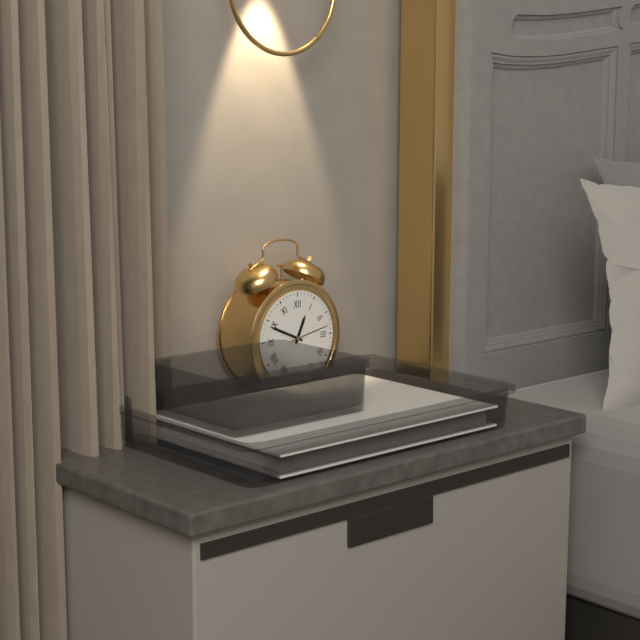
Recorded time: 12.49
